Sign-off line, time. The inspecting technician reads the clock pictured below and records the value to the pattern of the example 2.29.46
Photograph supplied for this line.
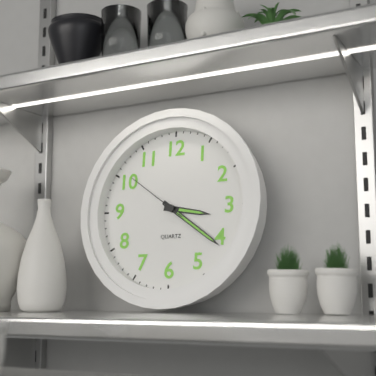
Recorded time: 3.21.51
